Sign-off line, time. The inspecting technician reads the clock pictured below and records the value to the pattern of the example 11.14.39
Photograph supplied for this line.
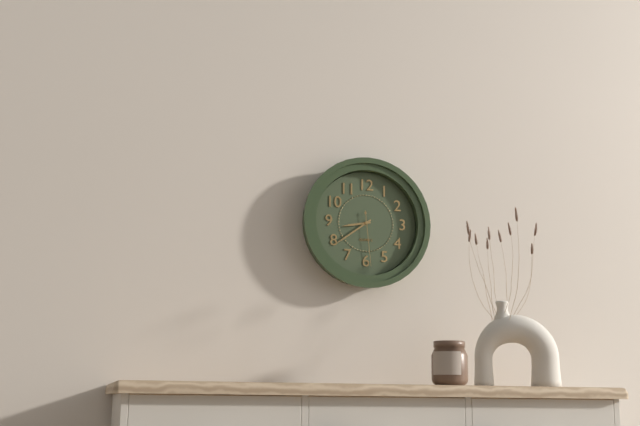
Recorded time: 8.39.29
